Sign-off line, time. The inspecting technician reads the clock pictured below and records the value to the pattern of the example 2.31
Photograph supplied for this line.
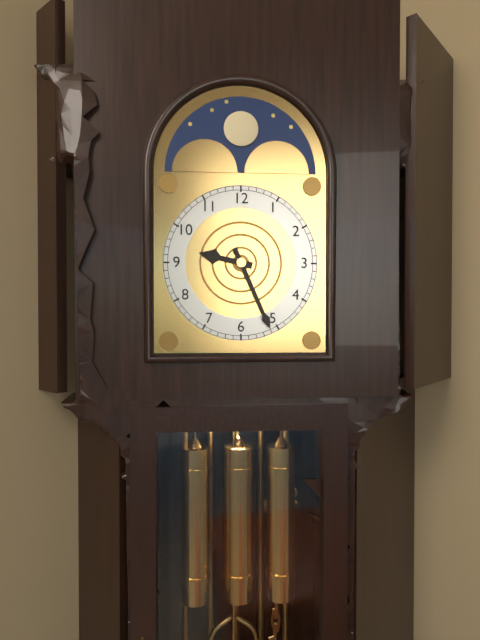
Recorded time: 9.26
